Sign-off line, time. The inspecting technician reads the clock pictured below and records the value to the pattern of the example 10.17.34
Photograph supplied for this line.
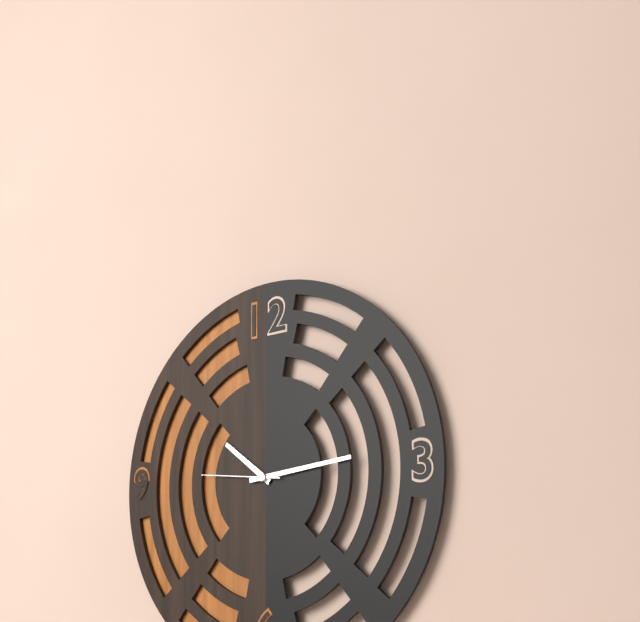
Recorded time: 10.14.46
